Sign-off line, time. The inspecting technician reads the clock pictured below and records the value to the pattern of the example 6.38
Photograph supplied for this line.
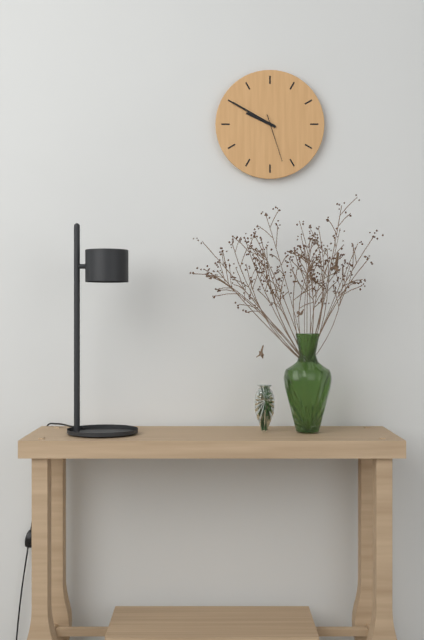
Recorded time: 9.50
